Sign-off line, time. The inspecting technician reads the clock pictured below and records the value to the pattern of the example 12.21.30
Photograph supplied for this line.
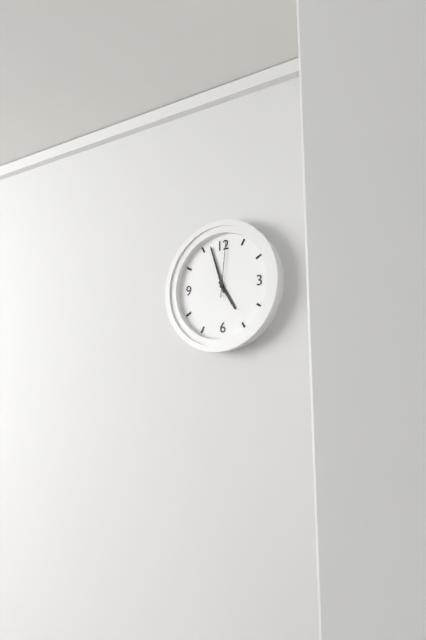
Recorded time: 4.57.01
